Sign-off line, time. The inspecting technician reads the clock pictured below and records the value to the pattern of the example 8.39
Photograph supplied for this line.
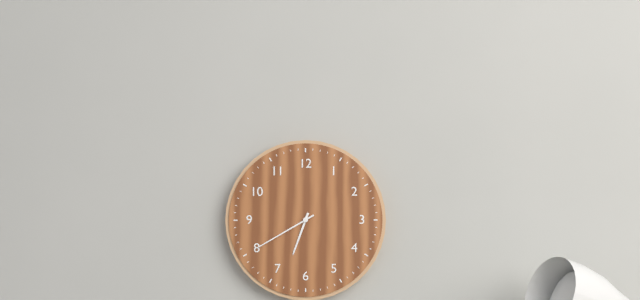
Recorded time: 6.40
